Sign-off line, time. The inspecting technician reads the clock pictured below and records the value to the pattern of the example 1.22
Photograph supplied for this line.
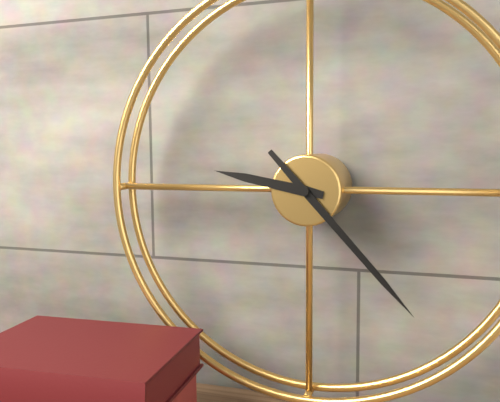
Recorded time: 9.23
